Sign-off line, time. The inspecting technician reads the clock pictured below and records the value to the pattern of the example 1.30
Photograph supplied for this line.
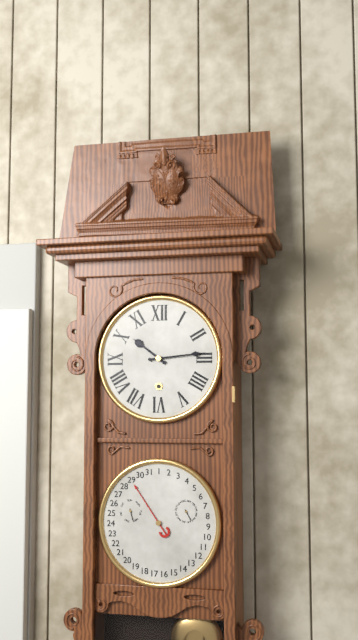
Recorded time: 10.14
